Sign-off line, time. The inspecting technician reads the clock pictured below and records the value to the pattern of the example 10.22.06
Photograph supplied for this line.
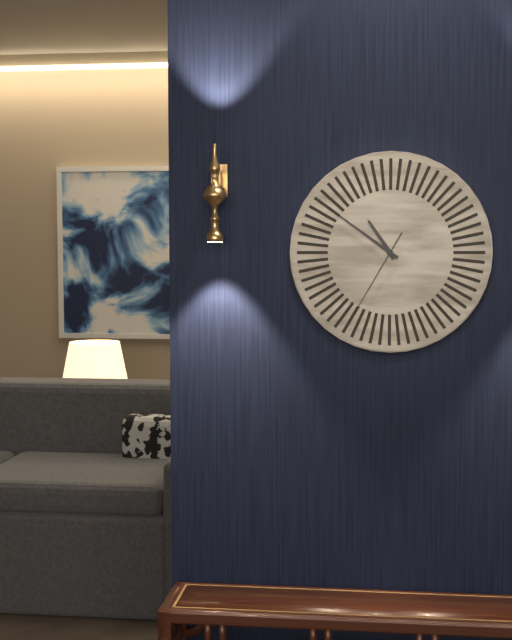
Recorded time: 10.51.35
